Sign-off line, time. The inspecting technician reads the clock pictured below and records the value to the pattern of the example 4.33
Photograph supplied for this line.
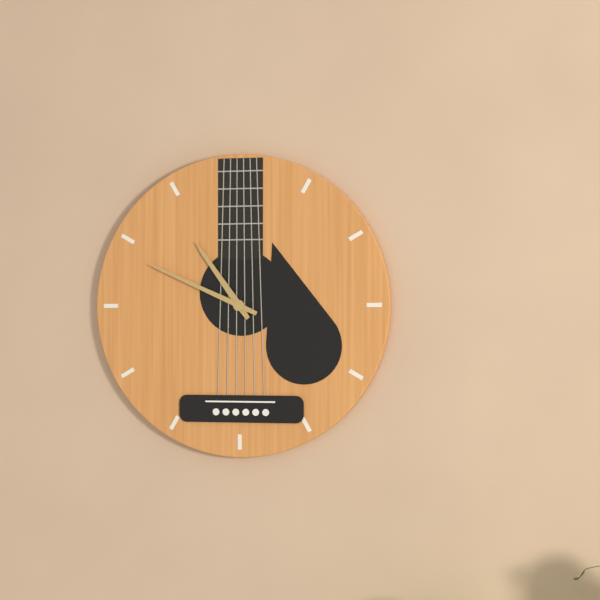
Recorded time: 10.49
